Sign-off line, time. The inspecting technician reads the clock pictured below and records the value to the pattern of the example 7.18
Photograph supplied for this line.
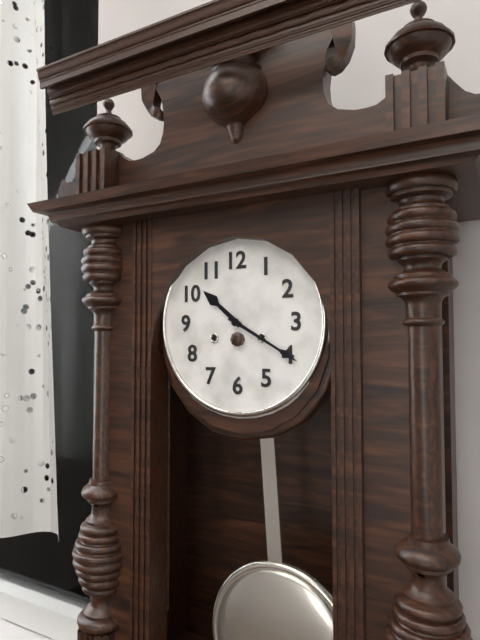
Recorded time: 10.20
